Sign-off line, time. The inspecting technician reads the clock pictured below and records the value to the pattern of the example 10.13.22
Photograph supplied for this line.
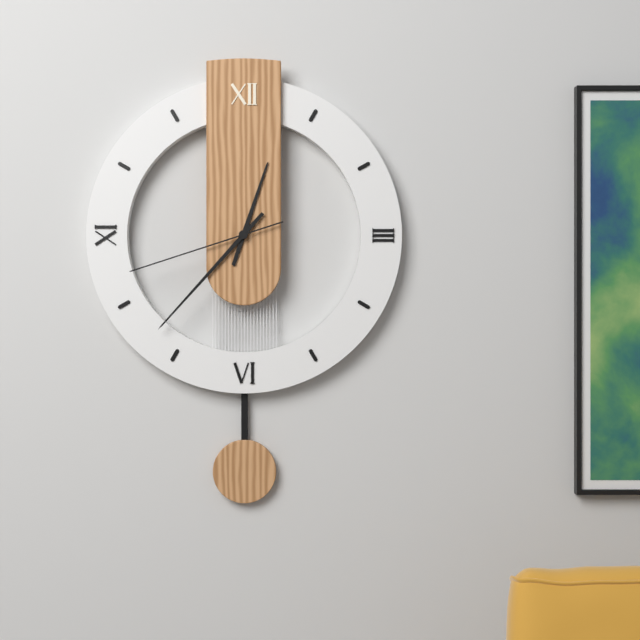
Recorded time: 12.37.42
